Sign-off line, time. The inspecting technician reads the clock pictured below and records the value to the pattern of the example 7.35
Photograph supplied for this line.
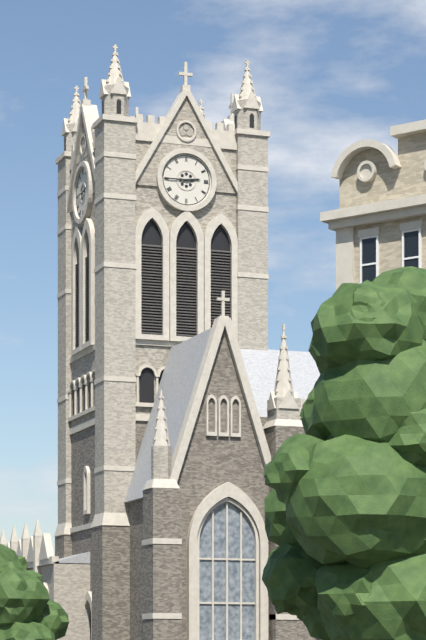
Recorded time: 2.45
